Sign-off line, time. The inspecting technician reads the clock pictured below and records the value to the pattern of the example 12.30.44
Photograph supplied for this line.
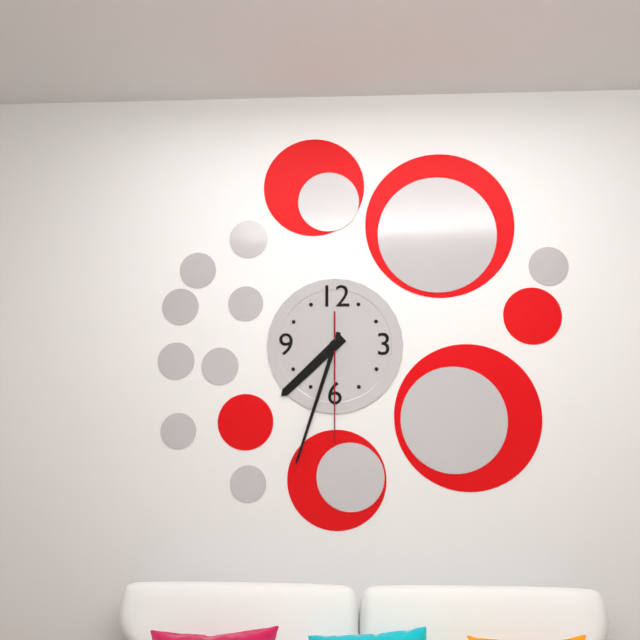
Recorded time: 7.33.30
